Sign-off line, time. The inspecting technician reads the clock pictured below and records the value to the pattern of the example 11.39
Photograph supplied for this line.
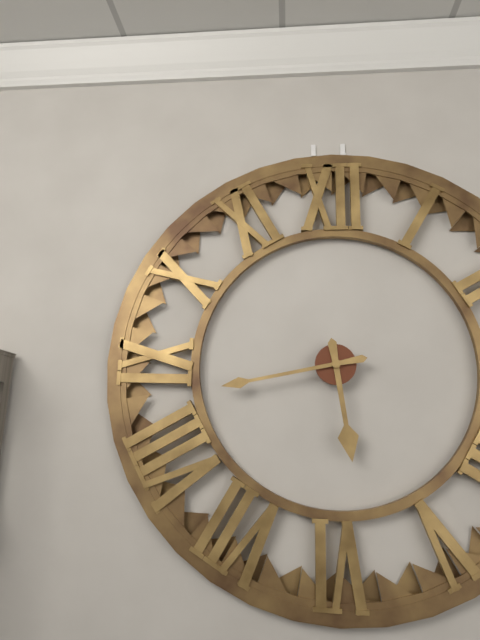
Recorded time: 5.43
